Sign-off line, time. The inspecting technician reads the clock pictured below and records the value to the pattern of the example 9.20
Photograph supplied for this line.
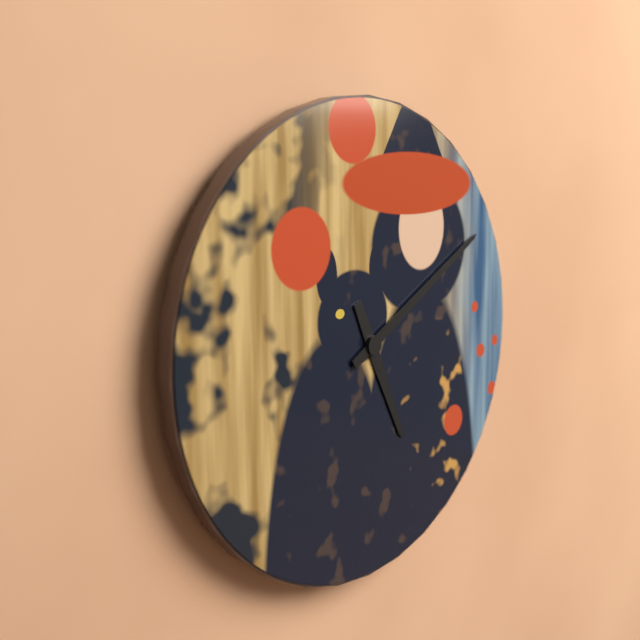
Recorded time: 5.10
